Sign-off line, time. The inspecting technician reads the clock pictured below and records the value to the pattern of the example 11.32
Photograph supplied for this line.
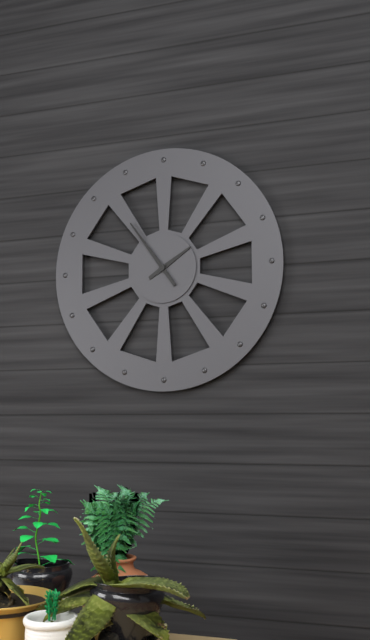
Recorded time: 1.54
